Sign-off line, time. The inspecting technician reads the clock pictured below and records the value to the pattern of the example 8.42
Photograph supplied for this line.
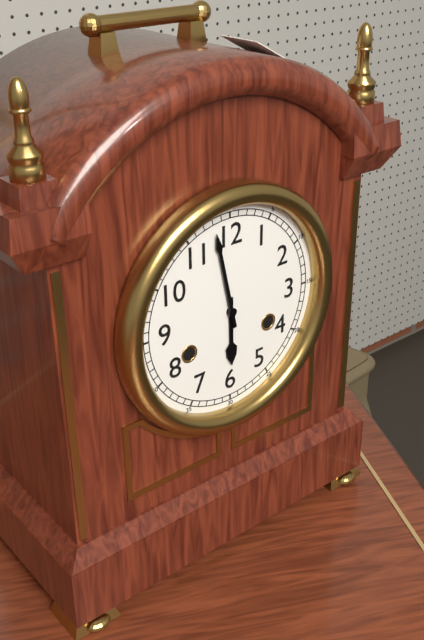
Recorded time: 5.58
